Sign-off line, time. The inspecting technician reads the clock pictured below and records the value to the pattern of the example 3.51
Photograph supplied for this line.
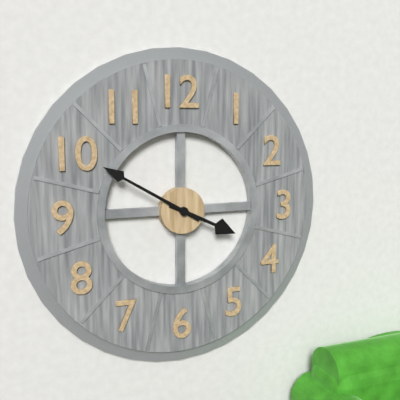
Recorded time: 3.50
